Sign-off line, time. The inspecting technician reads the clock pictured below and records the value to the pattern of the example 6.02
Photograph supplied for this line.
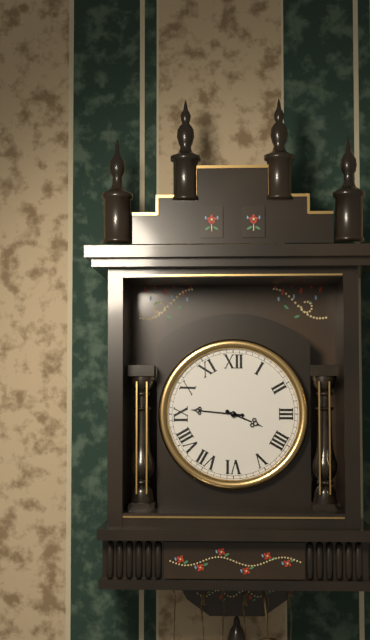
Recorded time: 3.46
